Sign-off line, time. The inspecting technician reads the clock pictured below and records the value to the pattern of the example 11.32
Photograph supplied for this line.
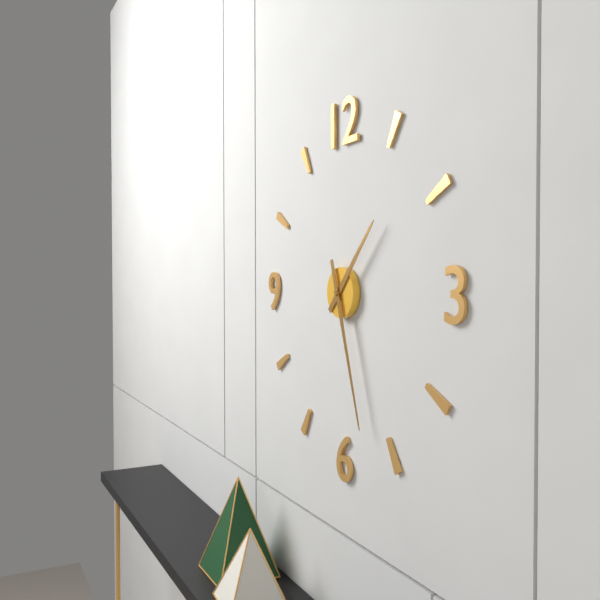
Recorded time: 1.27
